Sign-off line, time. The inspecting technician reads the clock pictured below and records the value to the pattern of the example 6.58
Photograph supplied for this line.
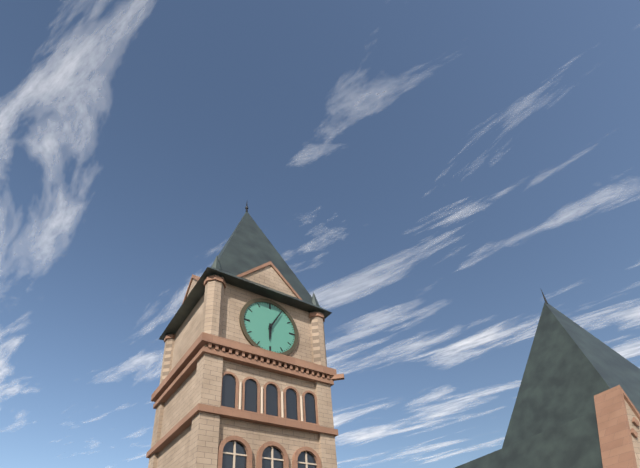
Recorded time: 6.05
